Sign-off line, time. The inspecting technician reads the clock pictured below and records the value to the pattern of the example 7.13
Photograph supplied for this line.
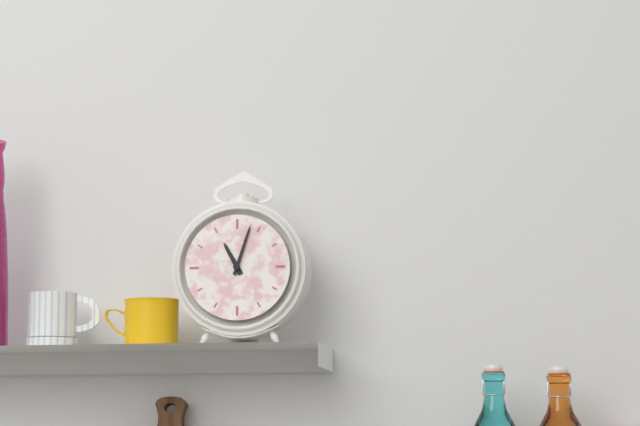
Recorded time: 11.03
